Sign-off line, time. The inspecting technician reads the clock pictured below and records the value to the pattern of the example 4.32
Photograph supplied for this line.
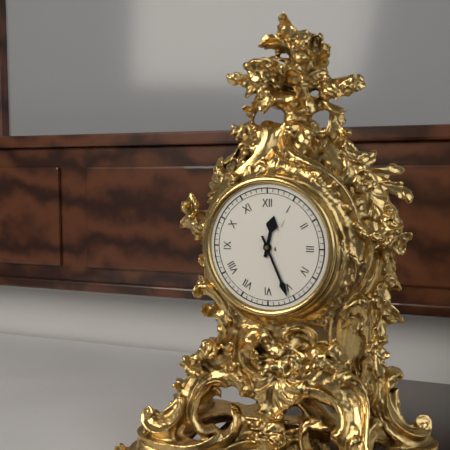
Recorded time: 12.26
